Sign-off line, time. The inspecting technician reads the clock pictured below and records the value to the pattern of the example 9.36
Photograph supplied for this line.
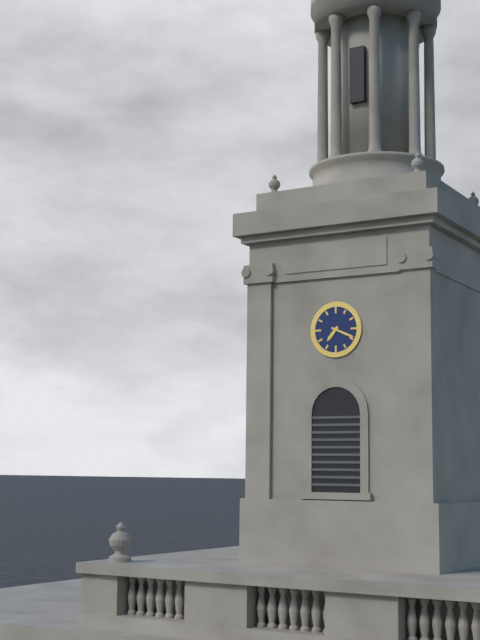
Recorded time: 7.19
